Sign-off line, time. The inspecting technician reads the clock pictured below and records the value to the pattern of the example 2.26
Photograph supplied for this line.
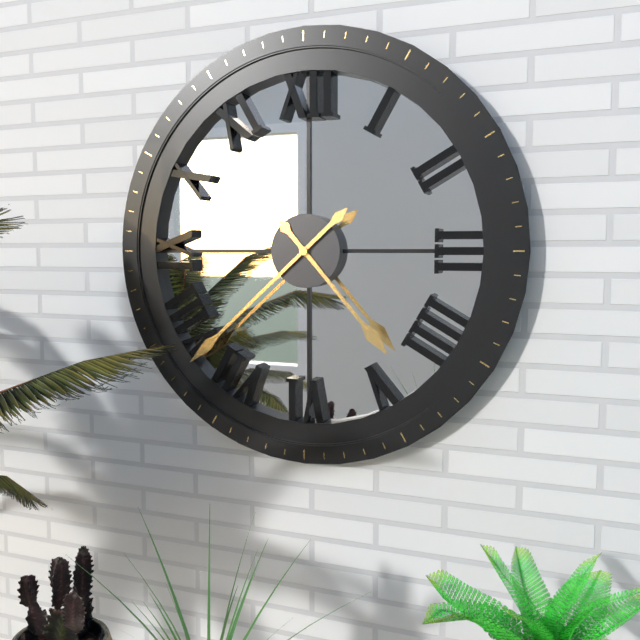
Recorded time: 4.38
